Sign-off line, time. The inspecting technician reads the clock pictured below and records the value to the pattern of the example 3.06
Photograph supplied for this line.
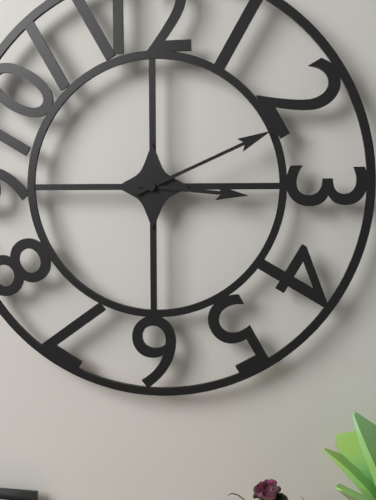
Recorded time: 3.11
